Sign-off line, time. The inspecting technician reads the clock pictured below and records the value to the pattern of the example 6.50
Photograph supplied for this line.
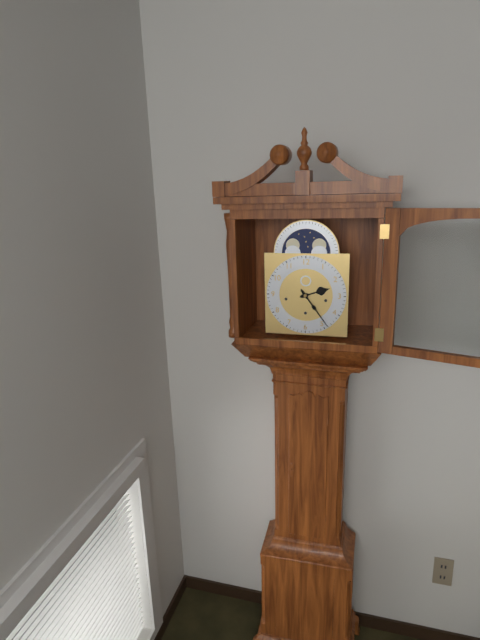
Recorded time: 2.24
